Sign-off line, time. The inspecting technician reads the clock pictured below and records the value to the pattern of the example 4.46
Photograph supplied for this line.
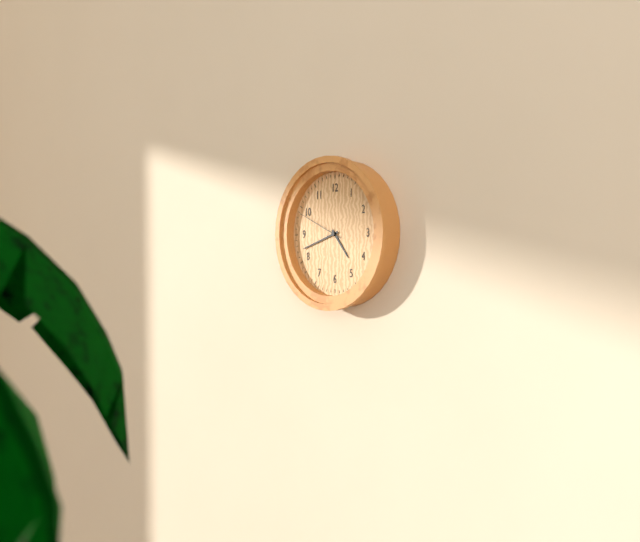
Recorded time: 4.42
